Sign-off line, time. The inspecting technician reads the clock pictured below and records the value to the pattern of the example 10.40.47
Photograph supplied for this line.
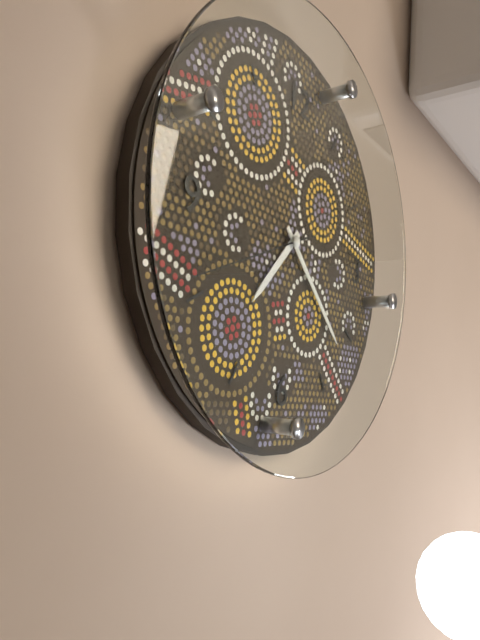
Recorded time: 7.22.41
